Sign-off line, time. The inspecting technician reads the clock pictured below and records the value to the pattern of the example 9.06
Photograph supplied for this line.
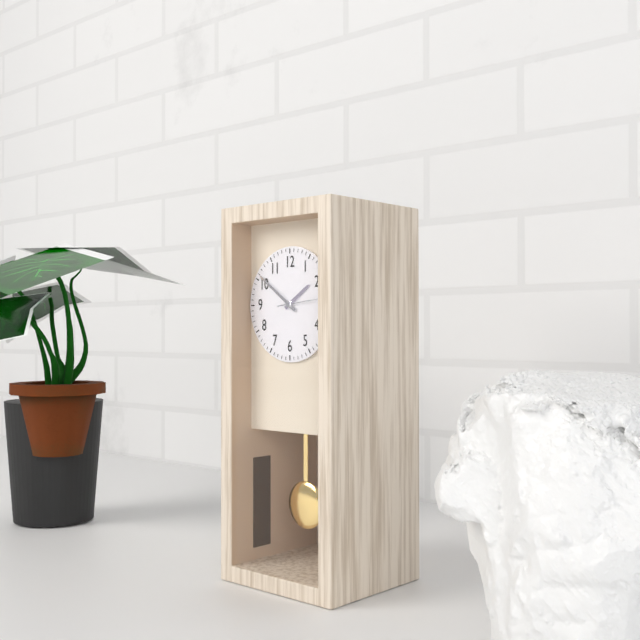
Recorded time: 1.51
